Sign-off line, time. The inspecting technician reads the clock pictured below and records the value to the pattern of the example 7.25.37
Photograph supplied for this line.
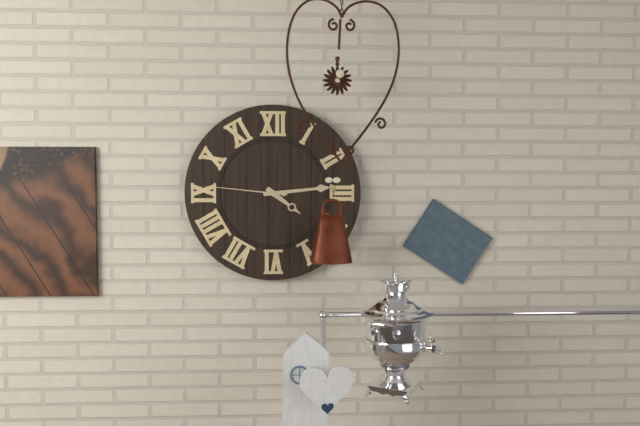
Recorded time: 4.14.46
